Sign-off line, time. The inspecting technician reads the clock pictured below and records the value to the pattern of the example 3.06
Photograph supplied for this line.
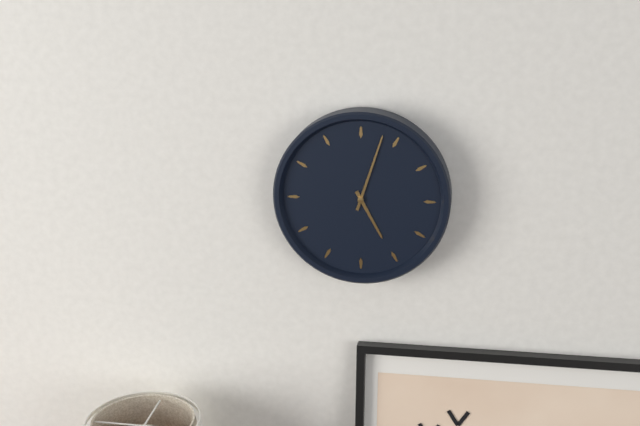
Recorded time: 5.03
